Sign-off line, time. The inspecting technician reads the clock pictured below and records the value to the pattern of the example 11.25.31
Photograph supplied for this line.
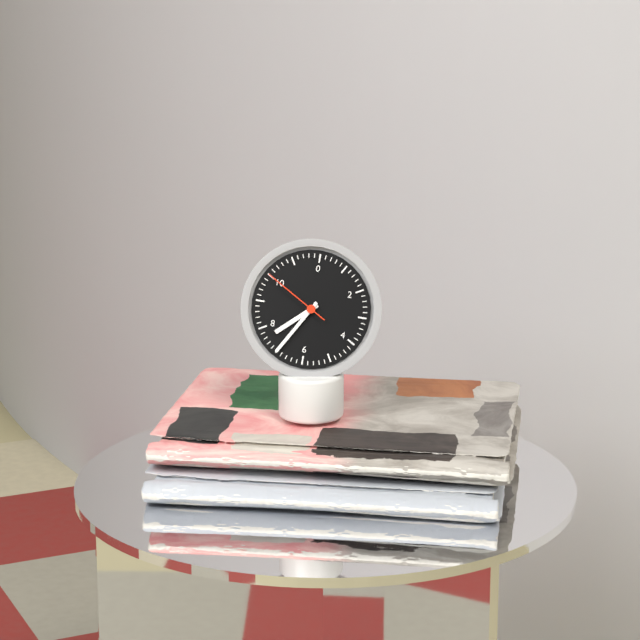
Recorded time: 7.35.50
